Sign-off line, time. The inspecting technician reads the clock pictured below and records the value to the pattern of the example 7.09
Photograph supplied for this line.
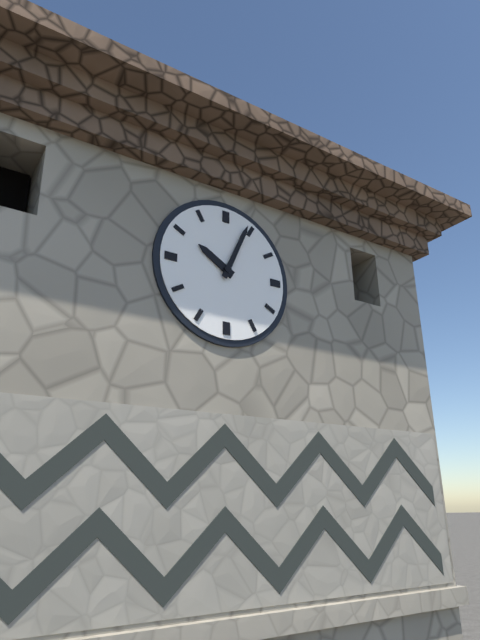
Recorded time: 10.04
